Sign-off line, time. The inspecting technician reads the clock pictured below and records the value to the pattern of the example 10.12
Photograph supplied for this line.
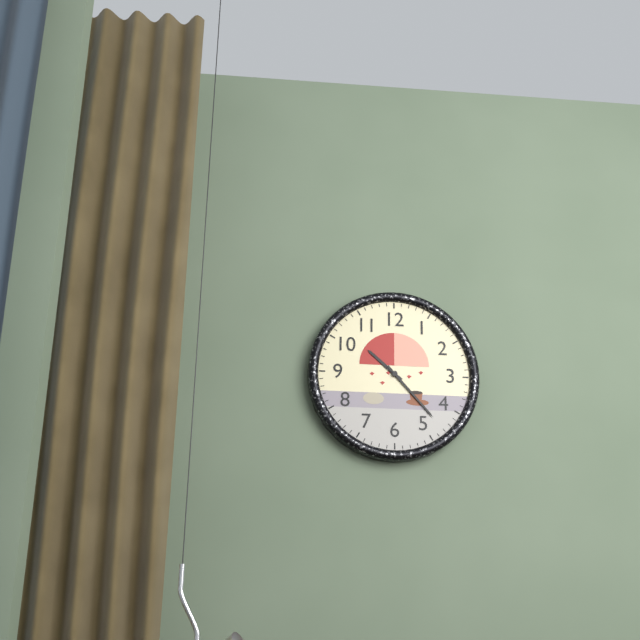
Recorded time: 10.23
